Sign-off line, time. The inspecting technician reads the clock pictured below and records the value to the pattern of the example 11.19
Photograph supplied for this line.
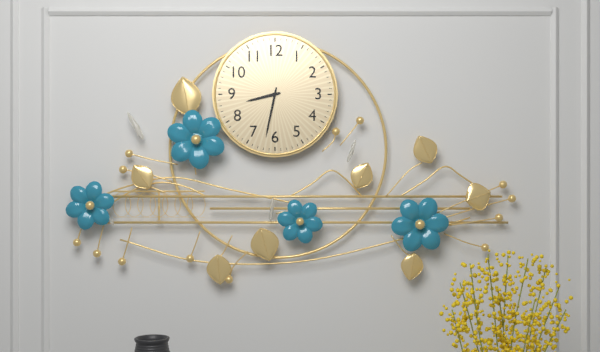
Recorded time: 8.32
